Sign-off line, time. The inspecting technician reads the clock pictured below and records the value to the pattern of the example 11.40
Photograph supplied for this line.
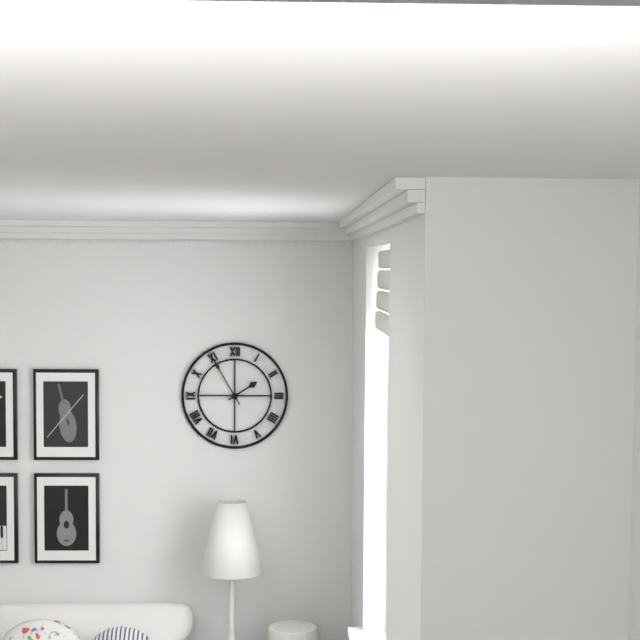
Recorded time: 1.55
